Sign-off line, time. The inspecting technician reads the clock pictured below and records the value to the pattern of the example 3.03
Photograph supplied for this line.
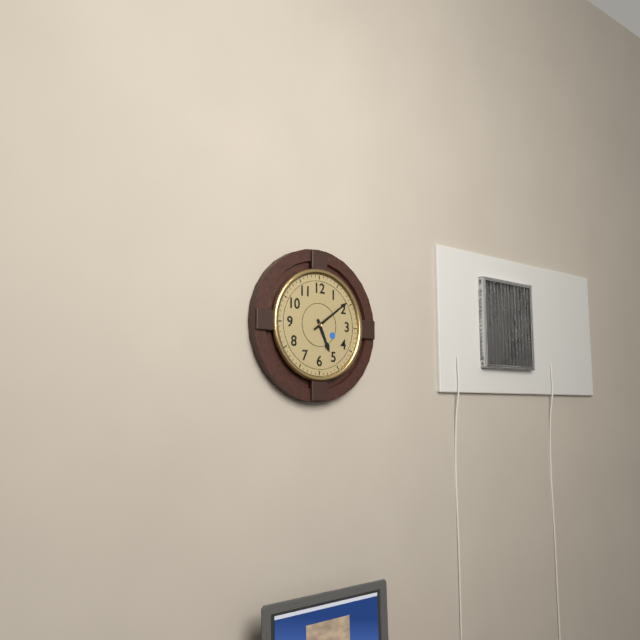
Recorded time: 5.09
